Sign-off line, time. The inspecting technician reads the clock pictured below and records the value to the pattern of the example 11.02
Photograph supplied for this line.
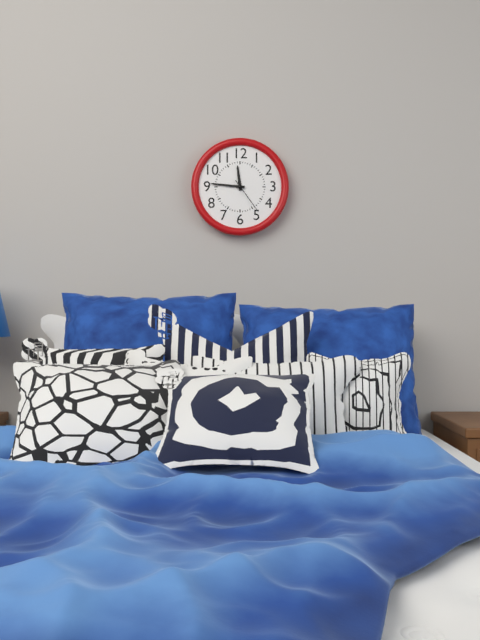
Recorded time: 11.46
